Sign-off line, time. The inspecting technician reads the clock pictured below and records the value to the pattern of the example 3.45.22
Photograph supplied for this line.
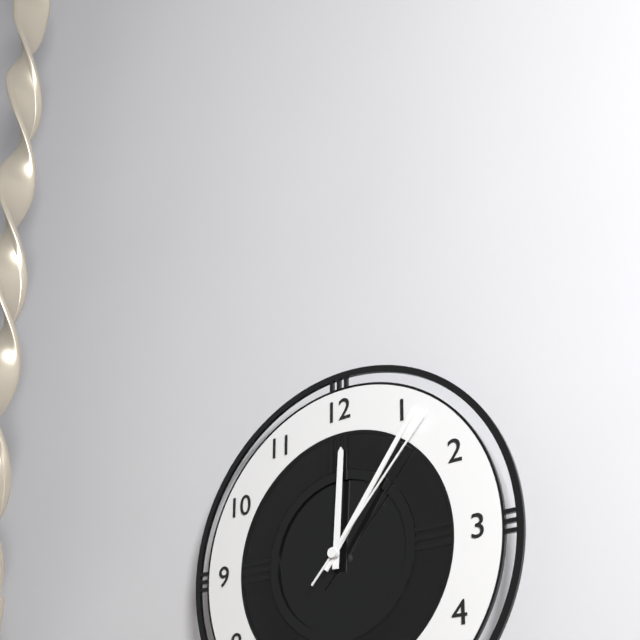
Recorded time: 12.06.07
